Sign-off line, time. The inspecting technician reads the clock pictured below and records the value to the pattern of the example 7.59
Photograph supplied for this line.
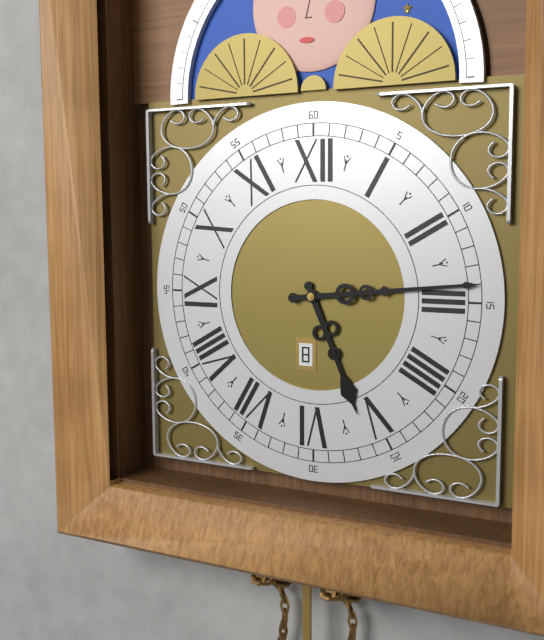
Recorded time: 5.14
